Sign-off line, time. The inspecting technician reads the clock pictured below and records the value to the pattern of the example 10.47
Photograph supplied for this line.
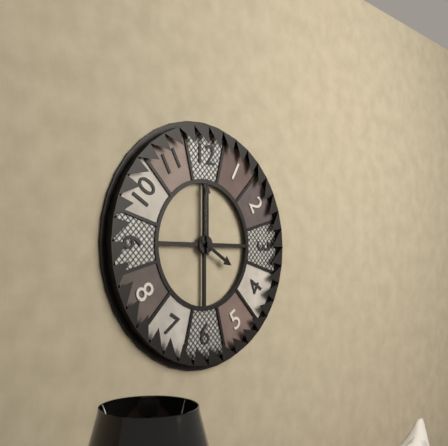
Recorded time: 4.00
